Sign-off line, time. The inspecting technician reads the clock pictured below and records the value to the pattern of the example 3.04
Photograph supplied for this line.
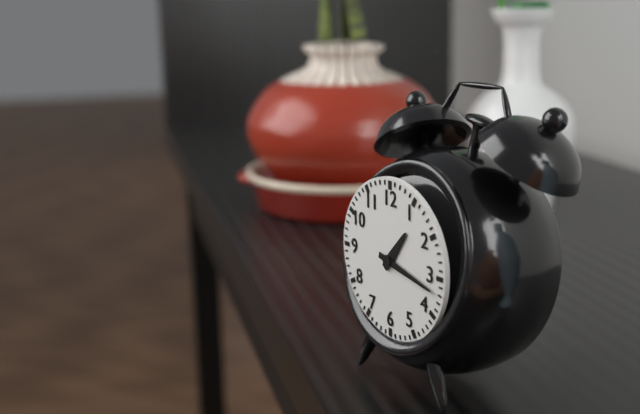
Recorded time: 1.17
